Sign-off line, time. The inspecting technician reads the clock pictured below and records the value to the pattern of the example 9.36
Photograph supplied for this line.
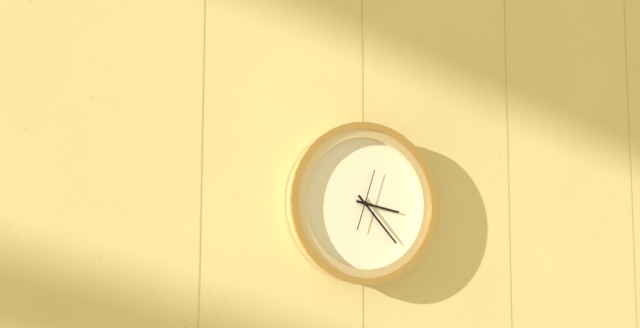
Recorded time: 3.23
